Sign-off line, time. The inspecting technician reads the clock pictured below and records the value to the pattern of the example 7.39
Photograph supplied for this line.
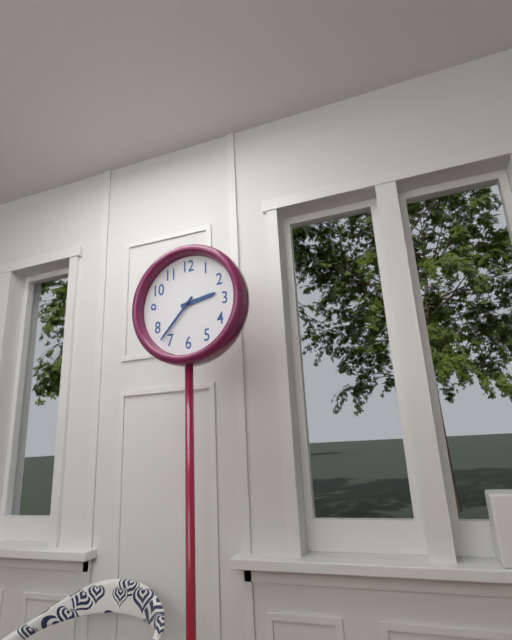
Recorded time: 2.37
